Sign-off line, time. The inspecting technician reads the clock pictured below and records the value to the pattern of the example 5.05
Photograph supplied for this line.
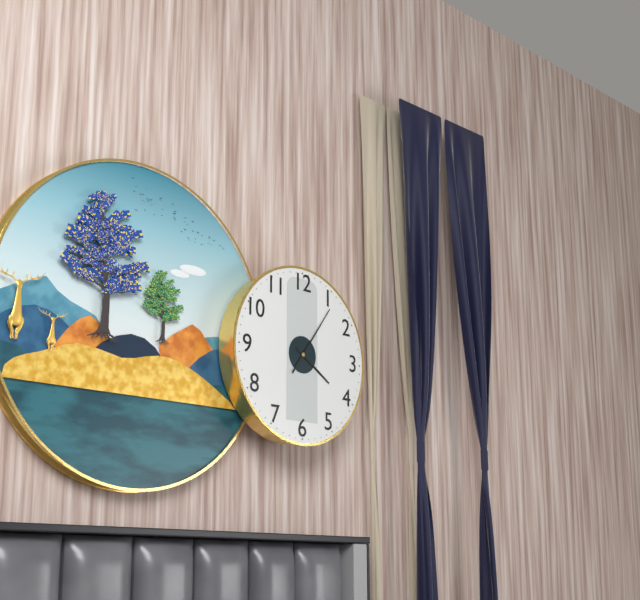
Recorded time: 4.06
